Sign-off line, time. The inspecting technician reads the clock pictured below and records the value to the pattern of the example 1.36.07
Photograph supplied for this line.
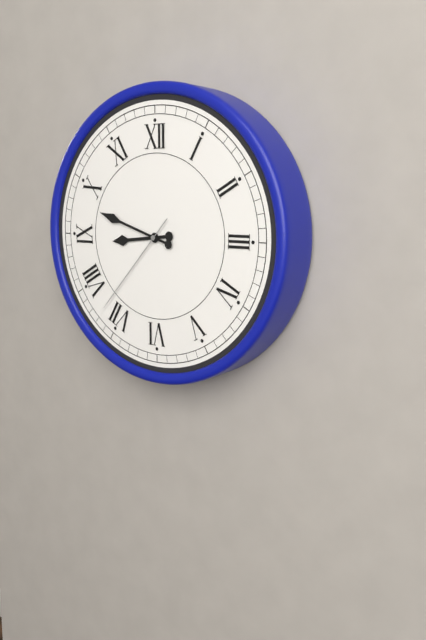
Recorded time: 8.48.37
